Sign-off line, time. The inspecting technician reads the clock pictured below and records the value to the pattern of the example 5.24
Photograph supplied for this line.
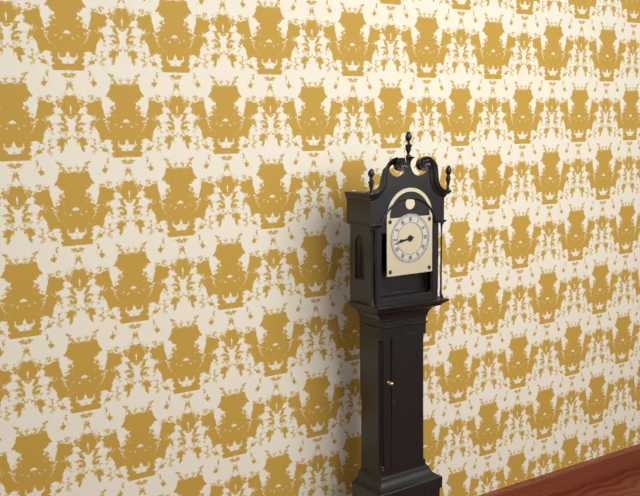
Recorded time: 8.43
